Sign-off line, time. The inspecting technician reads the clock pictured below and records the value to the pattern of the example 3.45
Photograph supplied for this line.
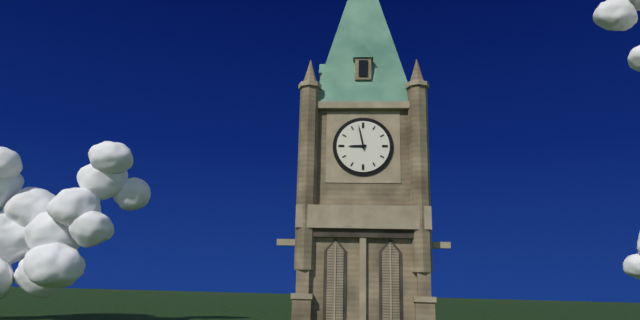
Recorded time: 8.58
